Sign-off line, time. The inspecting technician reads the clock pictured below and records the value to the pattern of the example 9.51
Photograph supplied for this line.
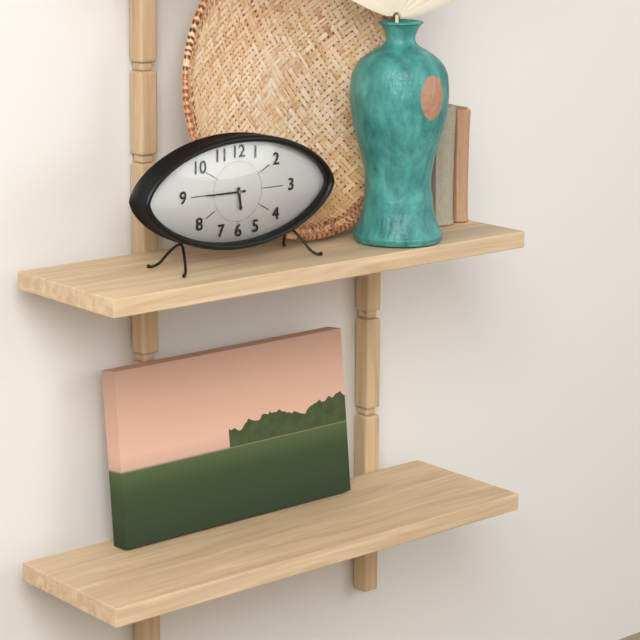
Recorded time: 5.45
